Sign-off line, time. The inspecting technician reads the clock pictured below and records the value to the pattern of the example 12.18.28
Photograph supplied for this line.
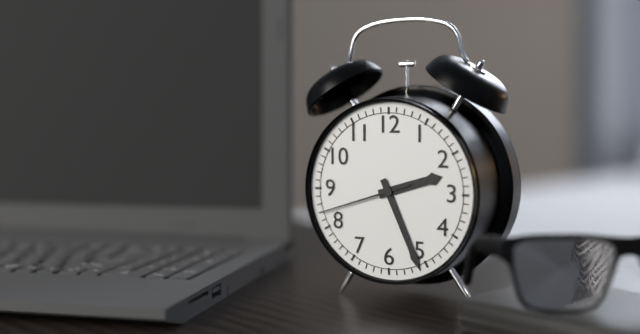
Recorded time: 2.26.42
